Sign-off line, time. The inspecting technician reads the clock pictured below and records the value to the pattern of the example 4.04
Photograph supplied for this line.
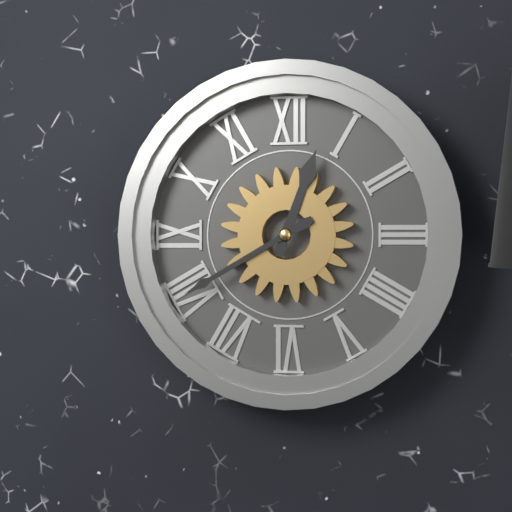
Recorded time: 12.40
